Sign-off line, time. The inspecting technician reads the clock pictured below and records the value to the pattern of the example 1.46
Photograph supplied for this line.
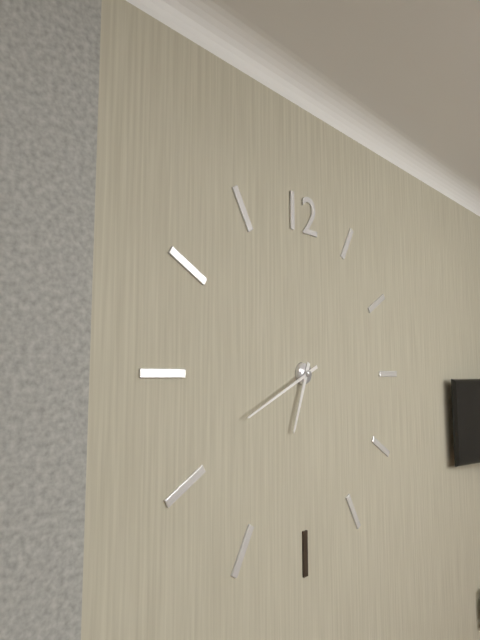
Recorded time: 6.41
